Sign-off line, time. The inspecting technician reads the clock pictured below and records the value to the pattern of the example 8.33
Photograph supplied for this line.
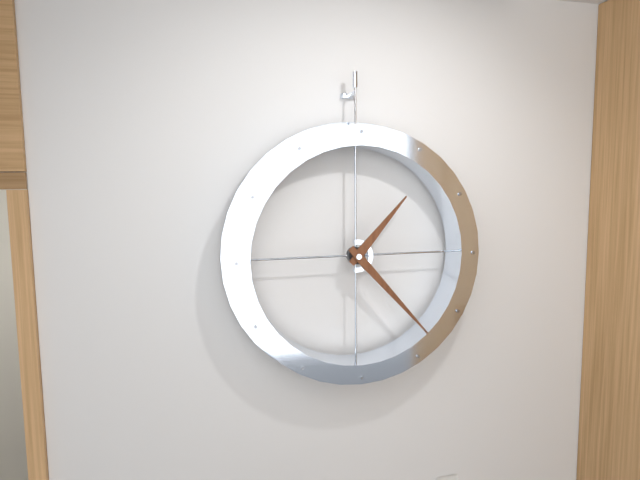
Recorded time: 1.23
